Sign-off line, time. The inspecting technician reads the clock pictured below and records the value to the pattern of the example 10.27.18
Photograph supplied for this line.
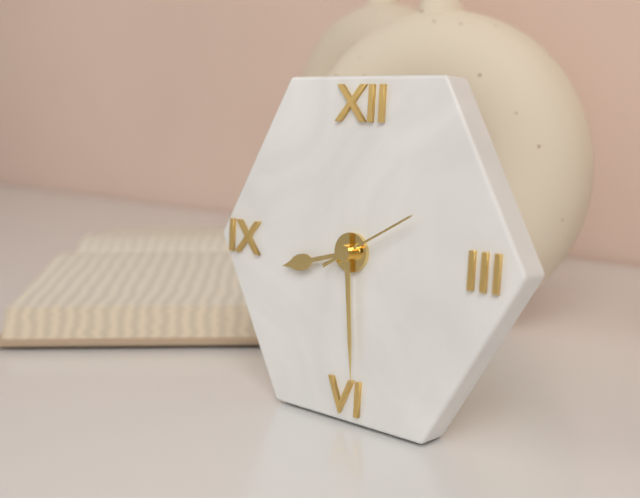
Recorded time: 8.29.10
